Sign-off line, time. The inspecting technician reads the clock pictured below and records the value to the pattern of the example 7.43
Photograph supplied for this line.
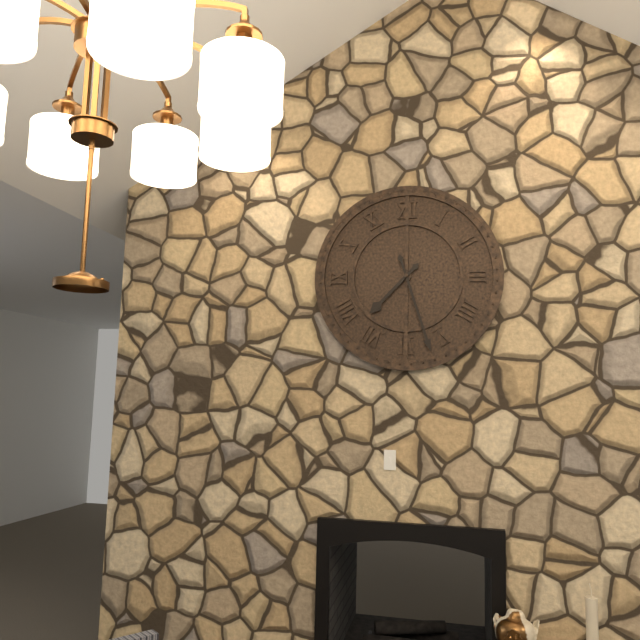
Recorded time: 7.27
